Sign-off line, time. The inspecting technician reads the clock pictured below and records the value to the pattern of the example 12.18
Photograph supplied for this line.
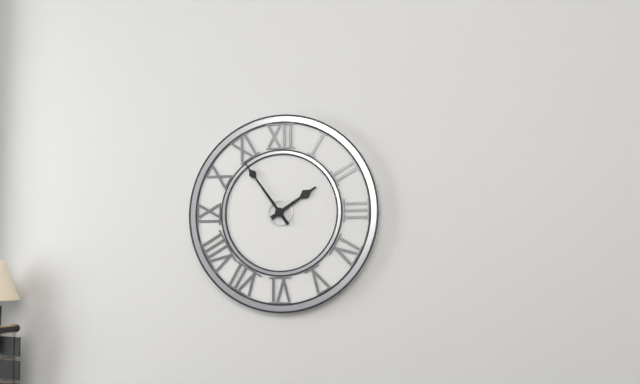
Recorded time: 1.54
